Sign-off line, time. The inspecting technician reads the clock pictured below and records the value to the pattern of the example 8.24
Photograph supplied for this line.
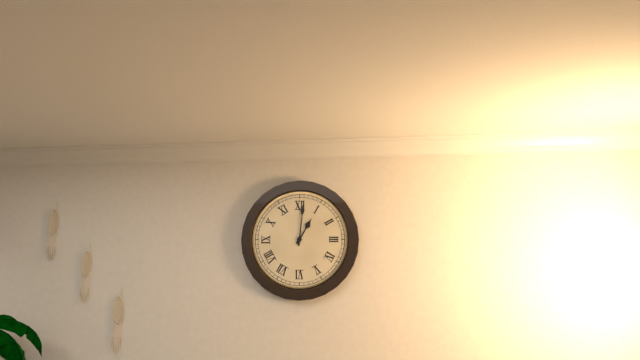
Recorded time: 1.01
